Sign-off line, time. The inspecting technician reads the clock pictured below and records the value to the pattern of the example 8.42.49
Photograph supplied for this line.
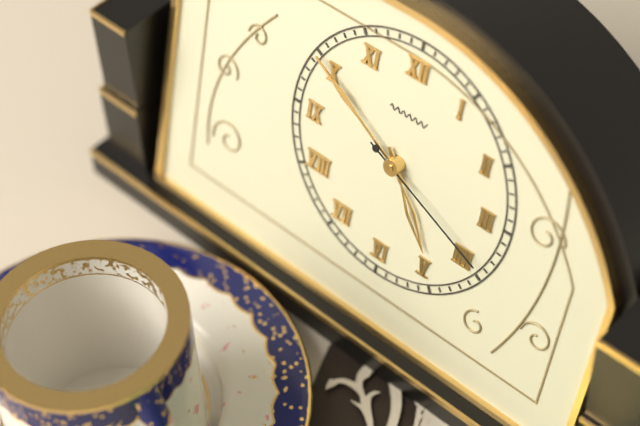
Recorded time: 4.50.19
